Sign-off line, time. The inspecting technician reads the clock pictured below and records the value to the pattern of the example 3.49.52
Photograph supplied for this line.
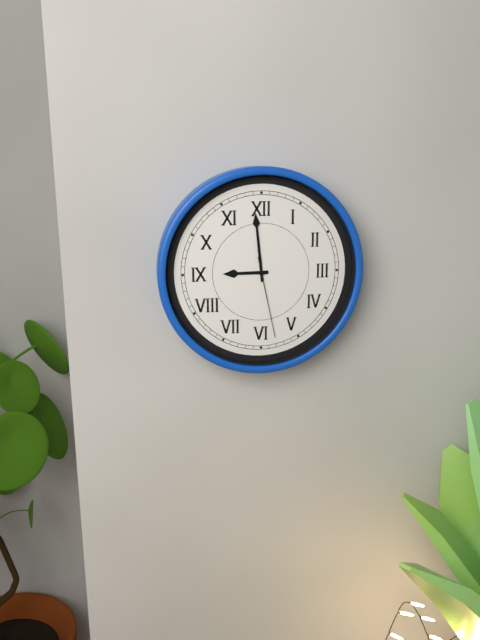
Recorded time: 8.59.28
